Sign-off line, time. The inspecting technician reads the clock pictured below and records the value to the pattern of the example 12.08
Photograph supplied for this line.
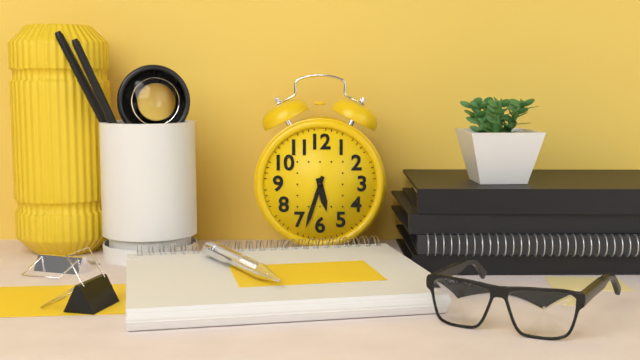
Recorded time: 5.33
